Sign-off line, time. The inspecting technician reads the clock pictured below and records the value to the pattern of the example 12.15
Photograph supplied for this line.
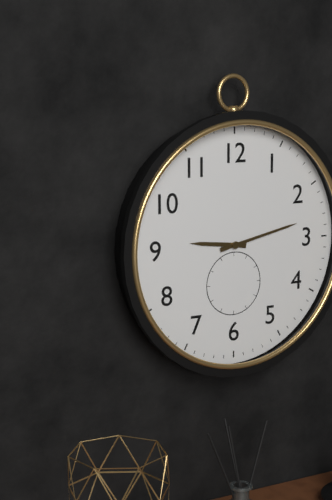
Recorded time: 9.13
